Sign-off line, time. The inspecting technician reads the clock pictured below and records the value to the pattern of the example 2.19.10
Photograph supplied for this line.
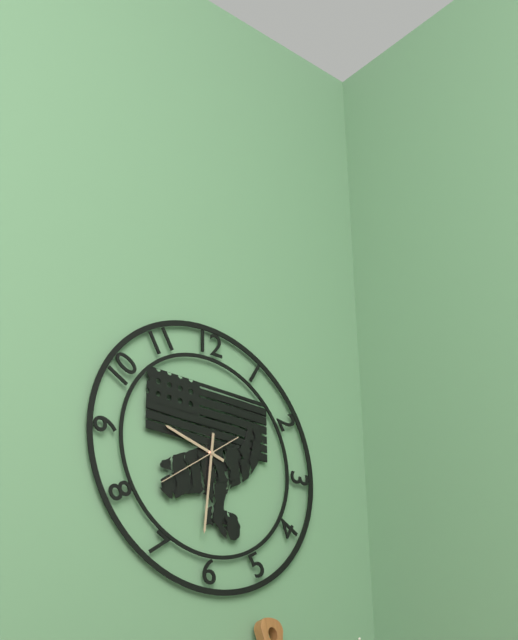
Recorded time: 9.31.39
